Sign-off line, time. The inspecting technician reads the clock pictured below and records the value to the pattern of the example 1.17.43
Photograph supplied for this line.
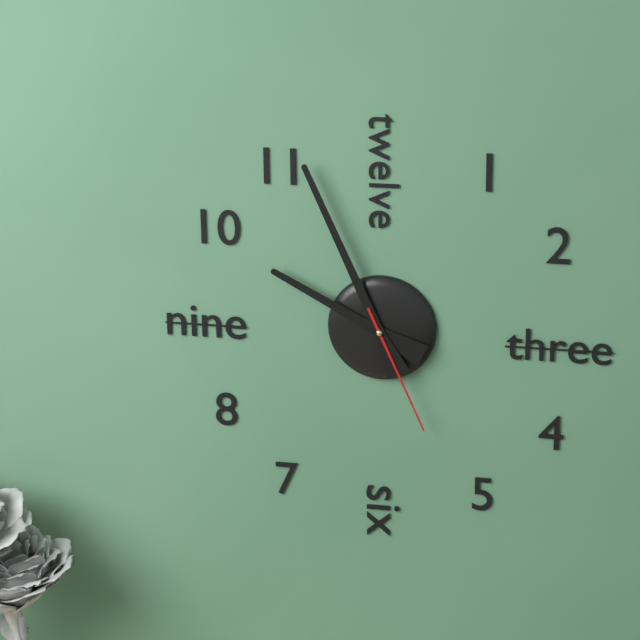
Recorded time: 9.56.26
